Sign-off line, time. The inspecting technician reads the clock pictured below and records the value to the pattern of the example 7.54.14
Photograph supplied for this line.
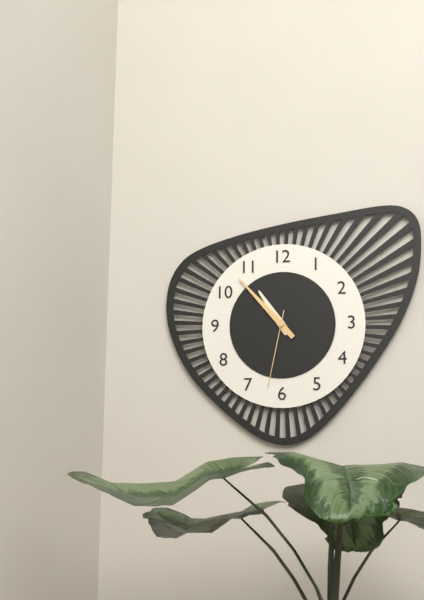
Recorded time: 10.53.32
